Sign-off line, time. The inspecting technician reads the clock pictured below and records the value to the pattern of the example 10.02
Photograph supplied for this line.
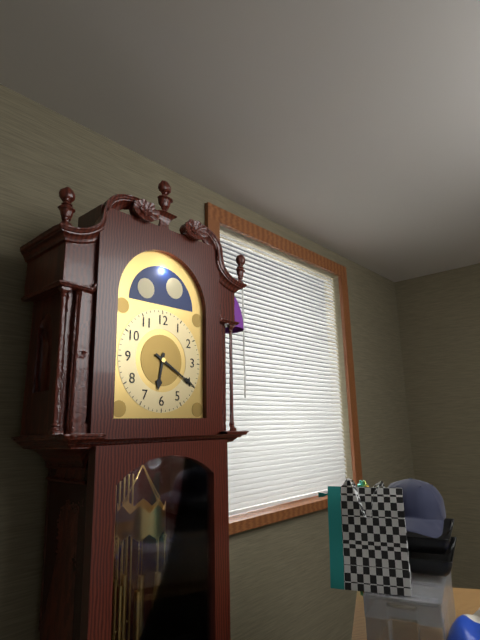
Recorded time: 6.20
